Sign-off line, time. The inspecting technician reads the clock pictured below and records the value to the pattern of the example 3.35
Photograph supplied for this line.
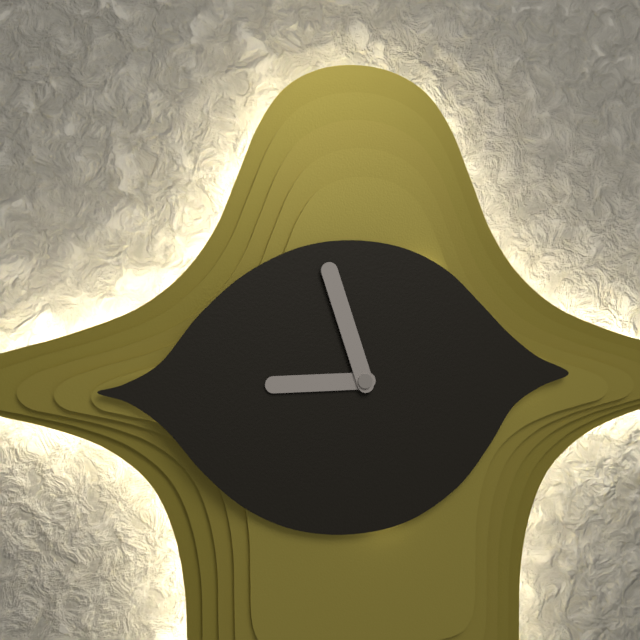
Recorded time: 8.57
